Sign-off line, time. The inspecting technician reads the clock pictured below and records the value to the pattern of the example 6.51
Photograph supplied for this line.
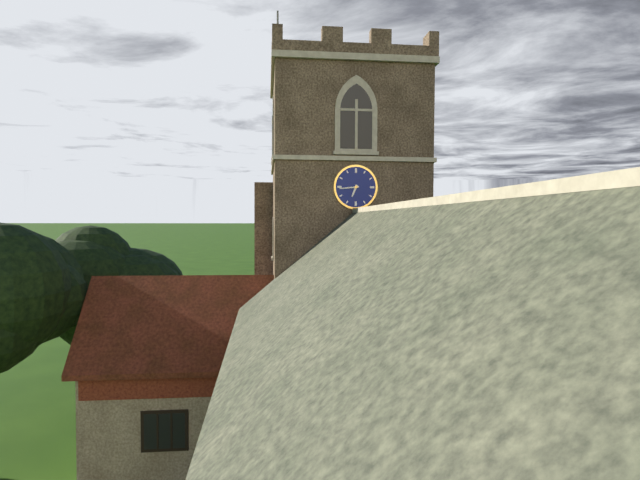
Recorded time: 6.44
